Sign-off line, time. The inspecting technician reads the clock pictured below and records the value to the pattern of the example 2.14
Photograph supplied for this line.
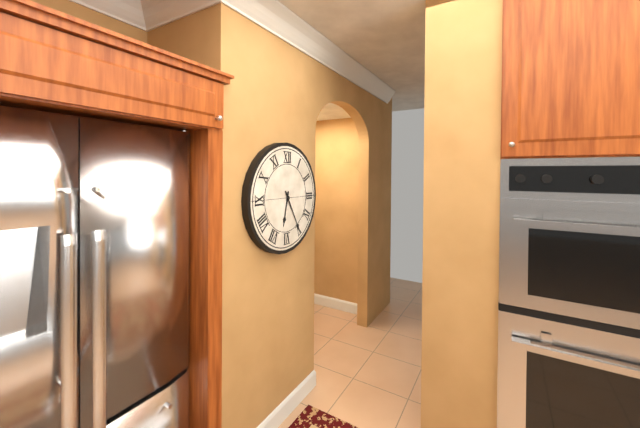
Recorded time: 6.25
